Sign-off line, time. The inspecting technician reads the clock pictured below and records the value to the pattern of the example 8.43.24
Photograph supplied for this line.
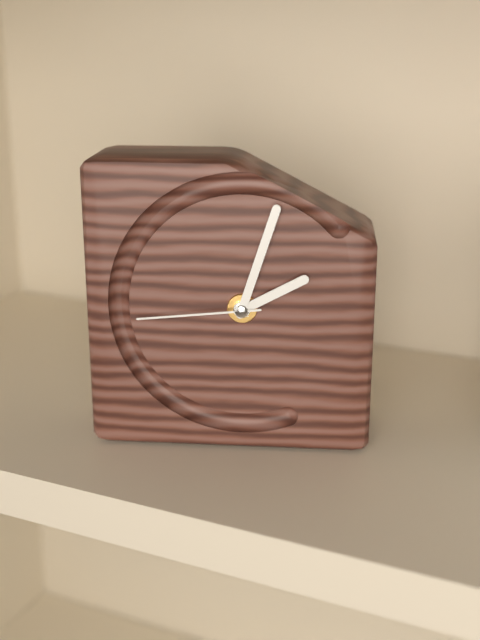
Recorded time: 2.03.44
